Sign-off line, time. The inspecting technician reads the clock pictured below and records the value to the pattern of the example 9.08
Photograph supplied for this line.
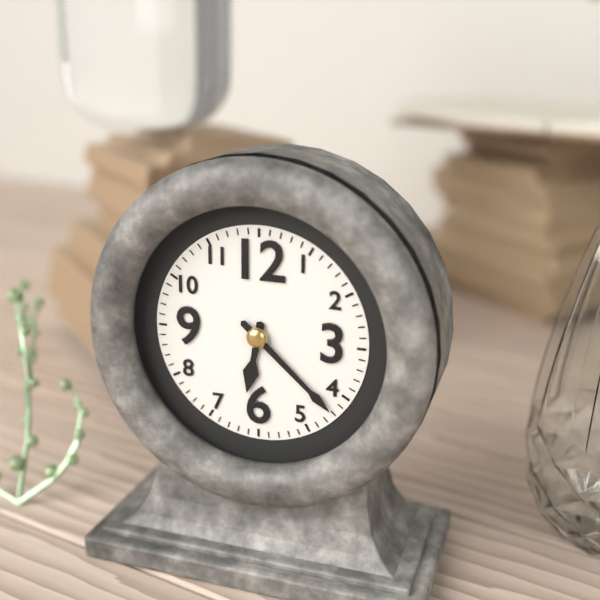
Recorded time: 6.22
